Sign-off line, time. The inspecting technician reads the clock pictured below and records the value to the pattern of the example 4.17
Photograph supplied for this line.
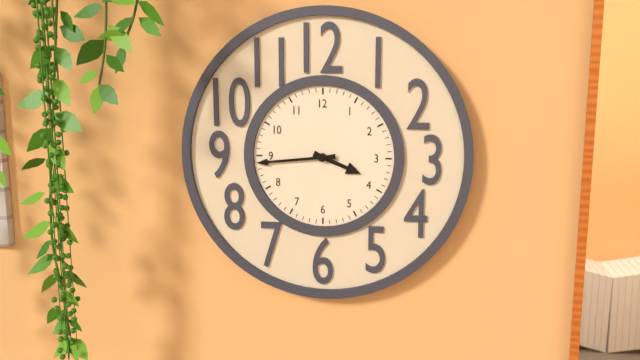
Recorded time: 3.44
